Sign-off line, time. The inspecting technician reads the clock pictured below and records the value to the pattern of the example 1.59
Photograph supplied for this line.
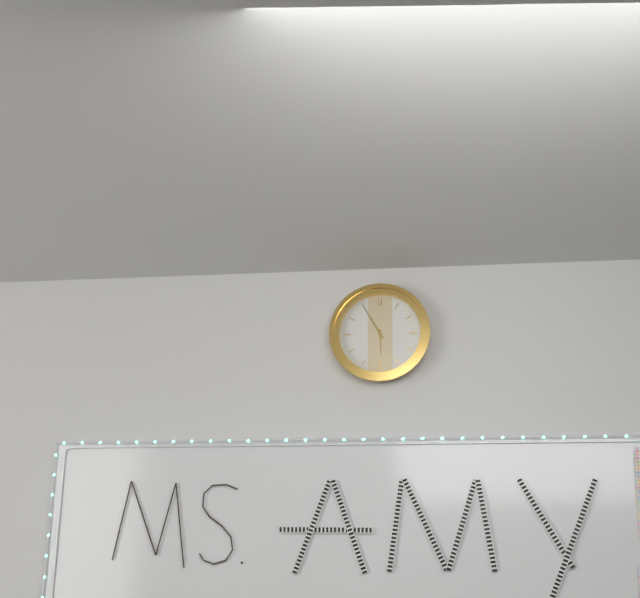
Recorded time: 5.55
